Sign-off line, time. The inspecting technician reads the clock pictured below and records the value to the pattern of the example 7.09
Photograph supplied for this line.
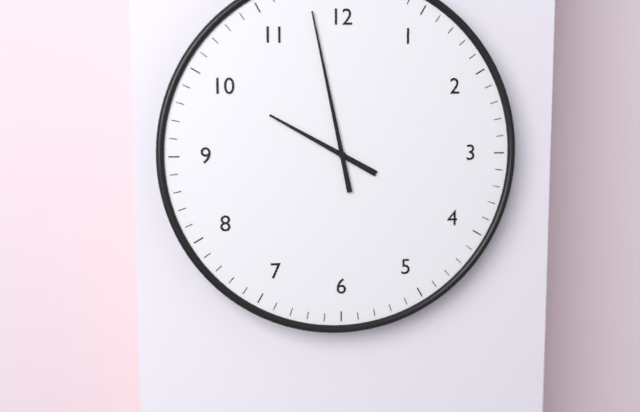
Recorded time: 9.58
